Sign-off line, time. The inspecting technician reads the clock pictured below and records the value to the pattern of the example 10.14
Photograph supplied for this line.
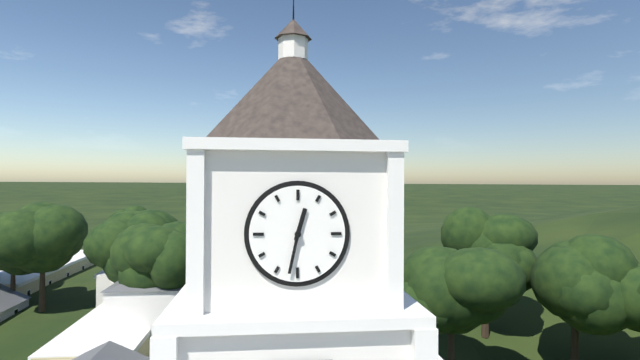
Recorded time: 12.32
